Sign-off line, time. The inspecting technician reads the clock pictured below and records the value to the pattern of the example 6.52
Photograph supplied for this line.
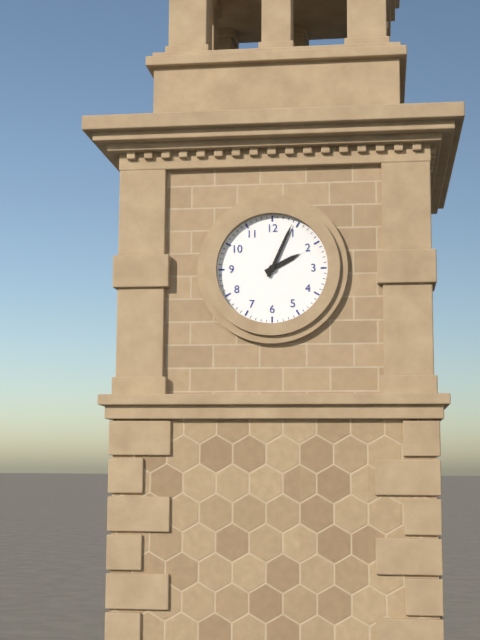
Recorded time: 2.04
